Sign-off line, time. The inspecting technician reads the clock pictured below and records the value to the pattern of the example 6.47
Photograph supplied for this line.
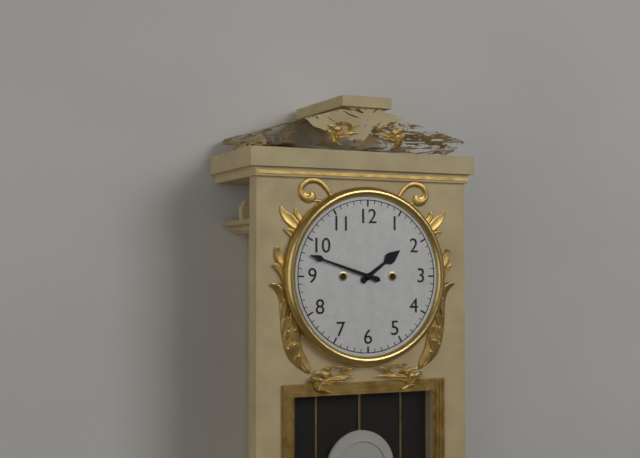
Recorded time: 1.48
